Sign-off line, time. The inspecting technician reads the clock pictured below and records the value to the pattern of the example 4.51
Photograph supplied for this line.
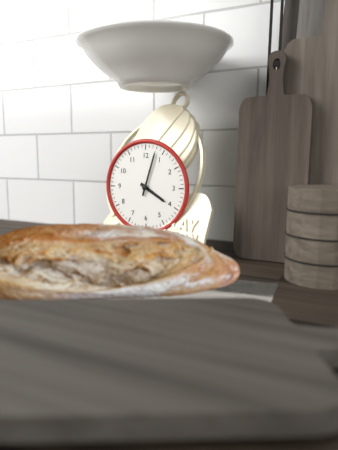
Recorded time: 4.03
